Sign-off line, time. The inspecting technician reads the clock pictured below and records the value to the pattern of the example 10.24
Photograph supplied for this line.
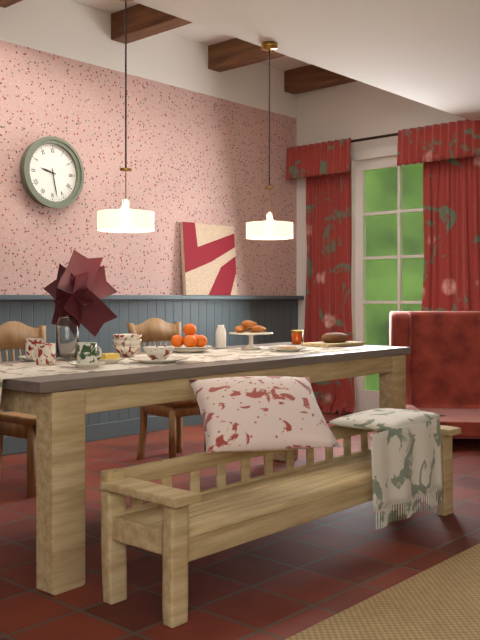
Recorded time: 9.28
